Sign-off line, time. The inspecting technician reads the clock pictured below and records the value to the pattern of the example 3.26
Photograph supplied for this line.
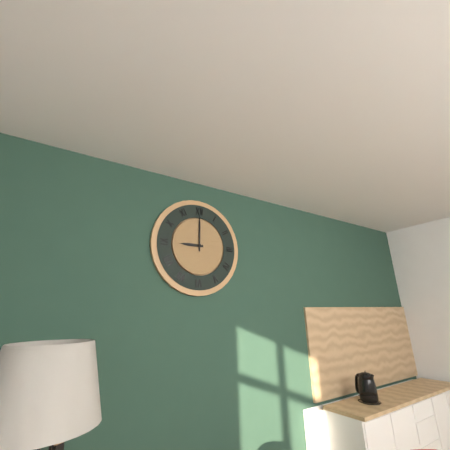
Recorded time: 9.00
